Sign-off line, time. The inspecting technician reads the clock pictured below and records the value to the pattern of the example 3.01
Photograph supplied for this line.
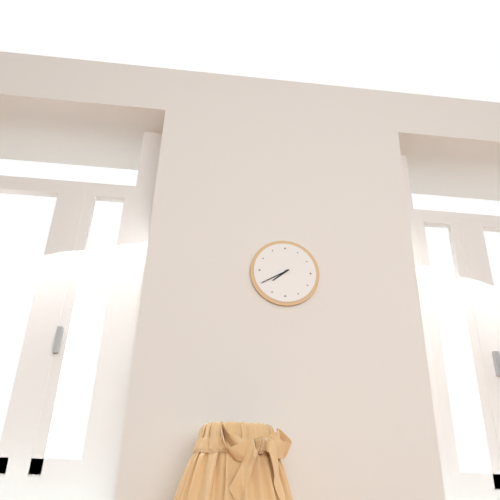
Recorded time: 7.40
